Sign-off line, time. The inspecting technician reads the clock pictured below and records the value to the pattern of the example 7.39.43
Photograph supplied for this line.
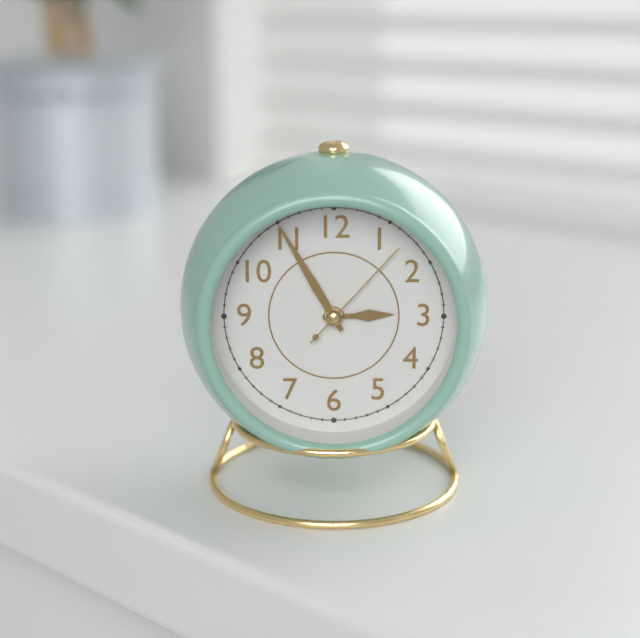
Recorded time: 2.55.07
